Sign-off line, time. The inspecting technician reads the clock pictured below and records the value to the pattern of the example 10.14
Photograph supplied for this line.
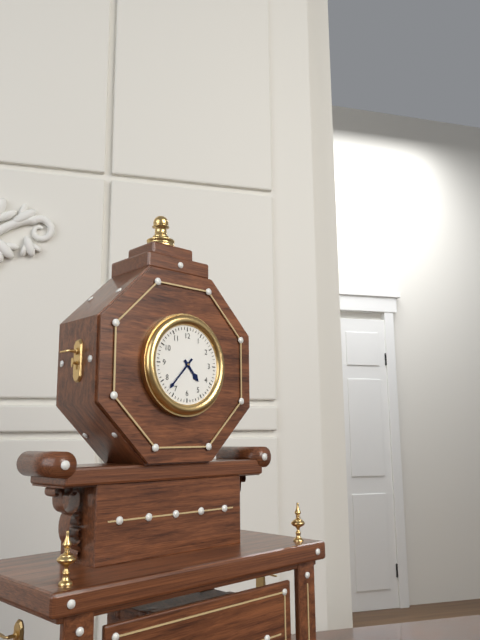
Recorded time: 4.37
